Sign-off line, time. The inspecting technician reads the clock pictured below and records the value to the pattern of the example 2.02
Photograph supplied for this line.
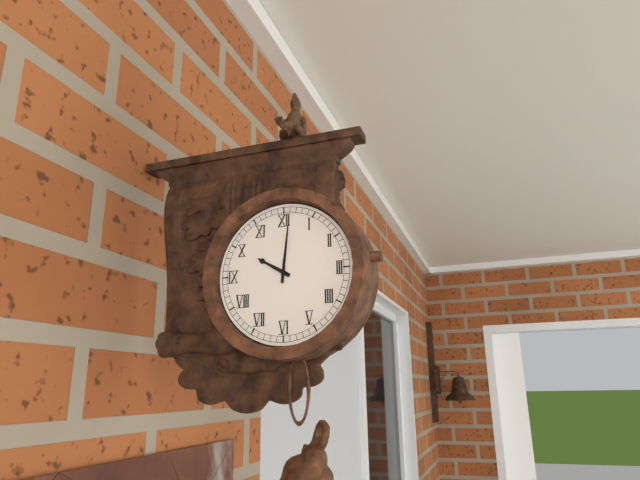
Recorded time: 10.01
